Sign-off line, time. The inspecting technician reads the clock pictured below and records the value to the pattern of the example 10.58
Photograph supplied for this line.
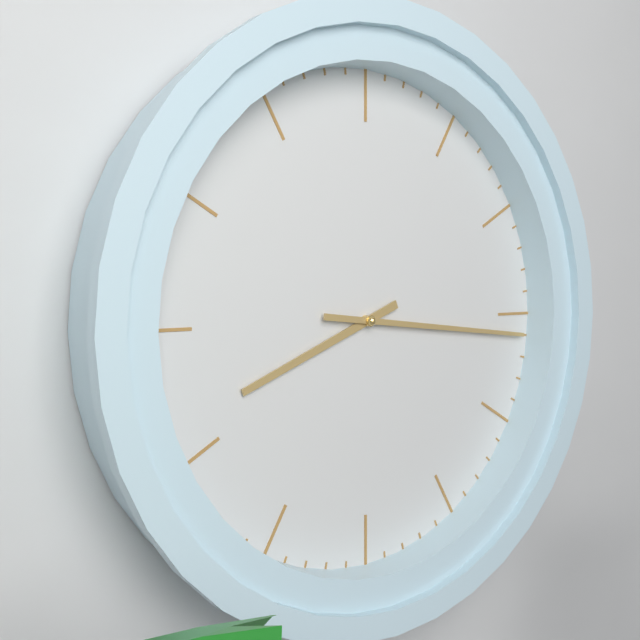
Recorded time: 8.16
